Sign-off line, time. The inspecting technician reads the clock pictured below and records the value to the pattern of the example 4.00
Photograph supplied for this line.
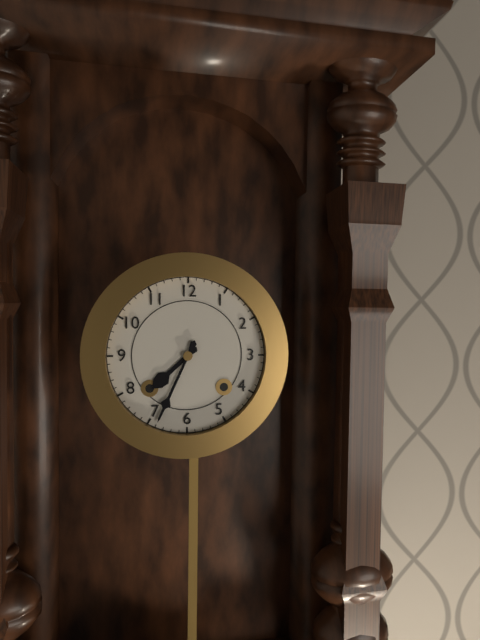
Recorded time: 7.34
